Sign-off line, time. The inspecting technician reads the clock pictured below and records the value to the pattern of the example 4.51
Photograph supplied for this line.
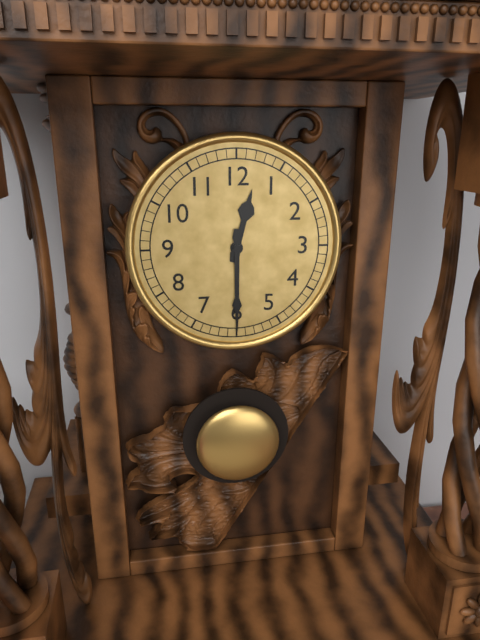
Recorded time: 12.30
